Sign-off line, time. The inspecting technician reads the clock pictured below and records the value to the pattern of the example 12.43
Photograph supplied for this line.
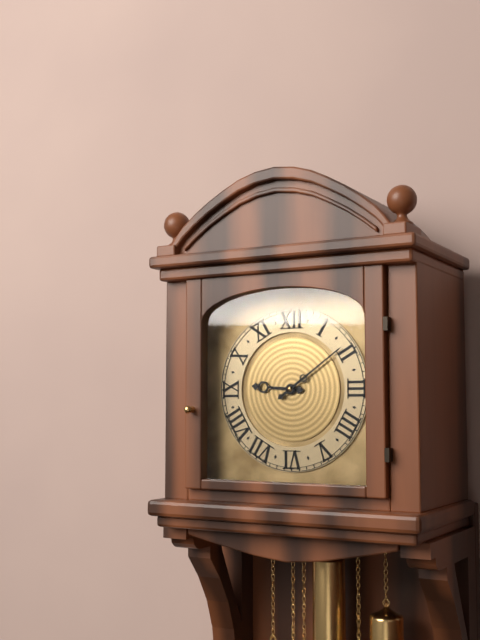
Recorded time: 9.09
